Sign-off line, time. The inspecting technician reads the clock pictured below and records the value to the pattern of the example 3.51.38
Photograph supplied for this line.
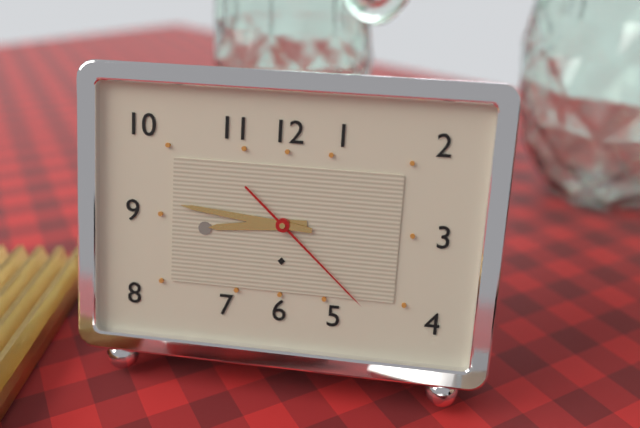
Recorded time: 8.46.22
